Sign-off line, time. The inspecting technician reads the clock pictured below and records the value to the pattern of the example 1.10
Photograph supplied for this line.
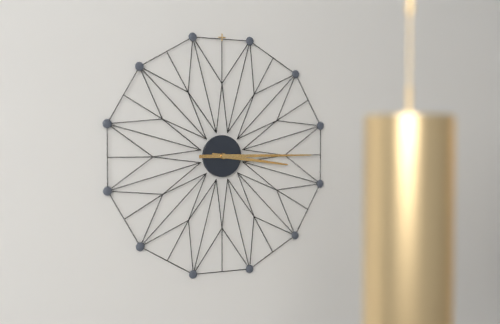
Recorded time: 3.15
